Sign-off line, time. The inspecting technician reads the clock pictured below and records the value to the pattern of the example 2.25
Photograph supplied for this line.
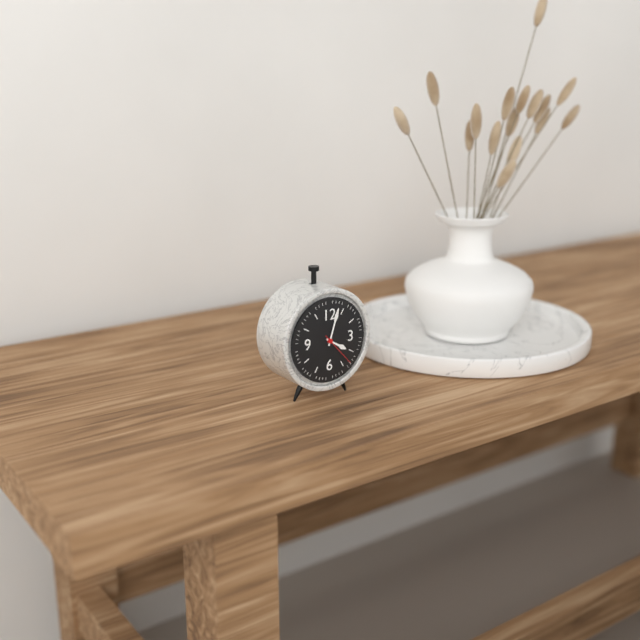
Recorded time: 4.03
